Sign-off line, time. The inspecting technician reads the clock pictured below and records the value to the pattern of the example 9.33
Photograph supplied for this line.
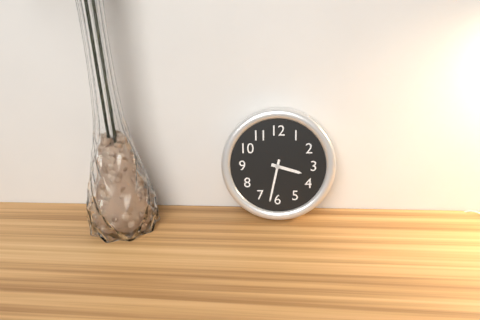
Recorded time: 3.32
